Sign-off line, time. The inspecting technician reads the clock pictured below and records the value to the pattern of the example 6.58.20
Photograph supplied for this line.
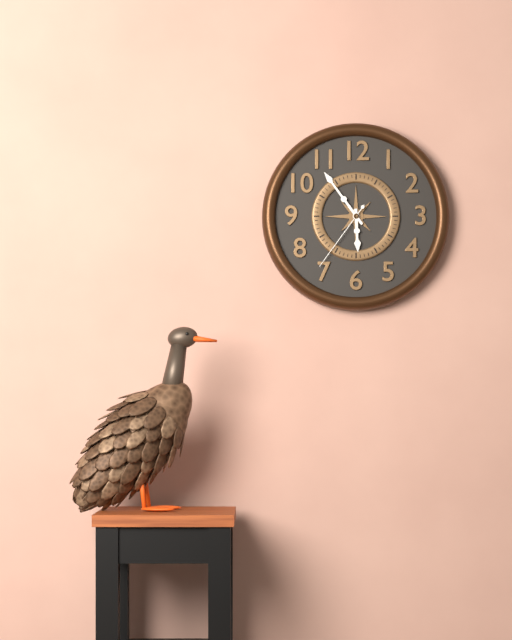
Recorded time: 5.54.36
